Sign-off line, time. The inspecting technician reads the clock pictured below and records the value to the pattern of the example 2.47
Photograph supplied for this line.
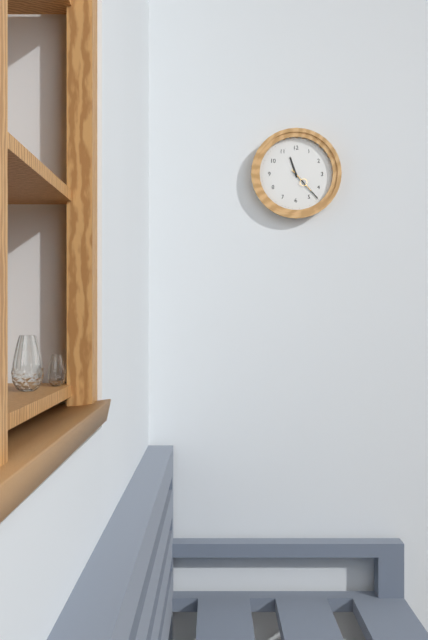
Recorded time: 11.23
